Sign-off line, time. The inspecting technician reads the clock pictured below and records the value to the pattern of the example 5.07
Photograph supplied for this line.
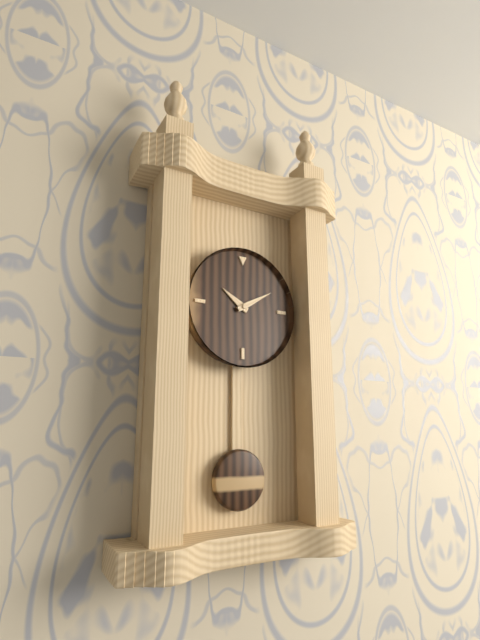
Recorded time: 10.10
